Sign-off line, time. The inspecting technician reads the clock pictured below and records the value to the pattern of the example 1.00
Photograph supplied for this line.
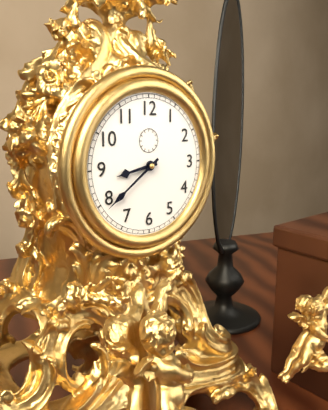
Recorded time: 8.39
